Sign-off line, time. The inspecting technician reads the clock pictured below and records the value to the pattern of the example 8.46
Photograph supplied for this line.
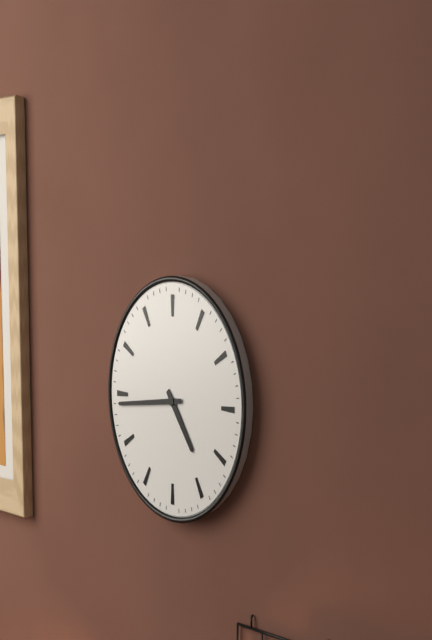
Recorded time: 4.44
